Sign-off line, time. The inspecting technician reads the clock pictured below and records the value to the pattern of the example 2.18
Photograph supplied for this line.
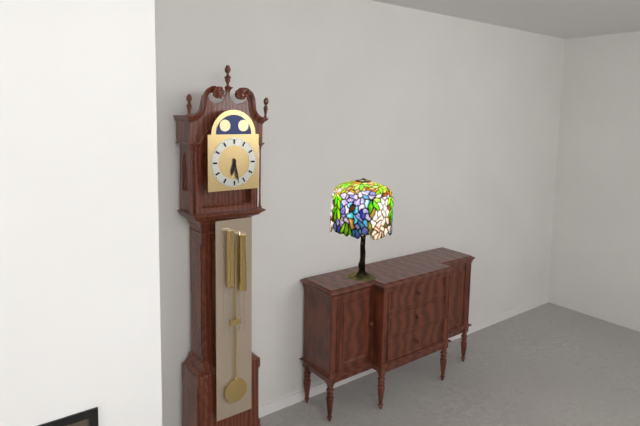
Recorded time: 6.28
